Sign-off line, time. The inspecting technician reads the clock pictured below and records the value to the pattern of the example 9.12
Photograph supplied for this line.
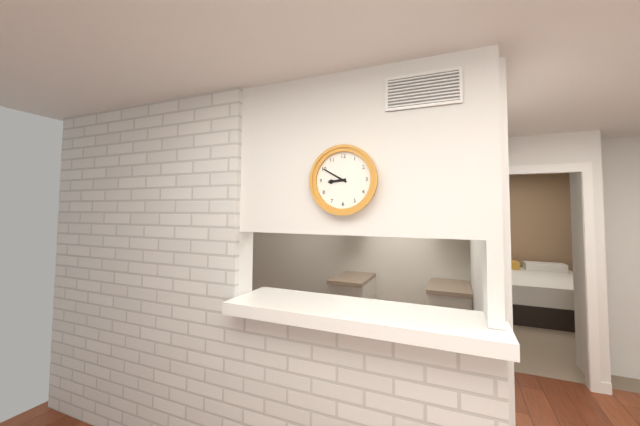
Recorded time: 8.50
